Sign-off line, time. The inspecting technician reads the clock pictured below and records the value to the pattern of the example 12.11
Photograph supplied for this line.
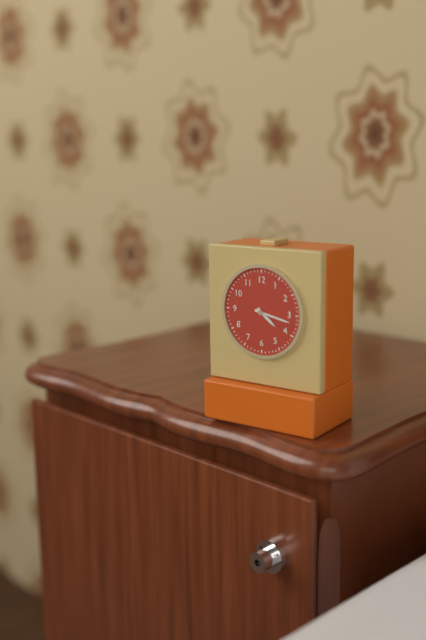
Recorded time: 4.17
